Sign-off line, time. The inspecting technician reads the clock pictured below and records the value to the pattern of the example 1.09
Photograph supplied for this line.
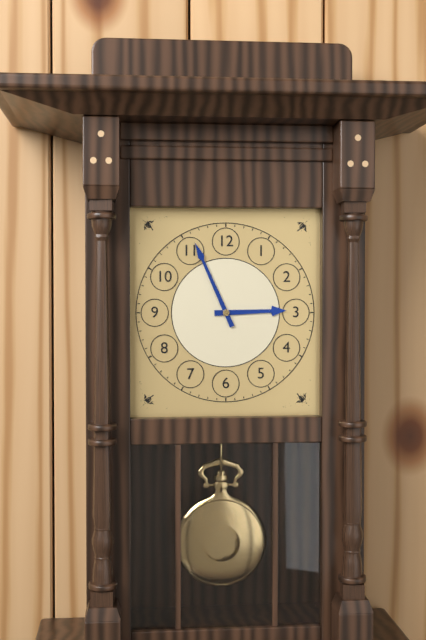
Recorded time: 2.56
